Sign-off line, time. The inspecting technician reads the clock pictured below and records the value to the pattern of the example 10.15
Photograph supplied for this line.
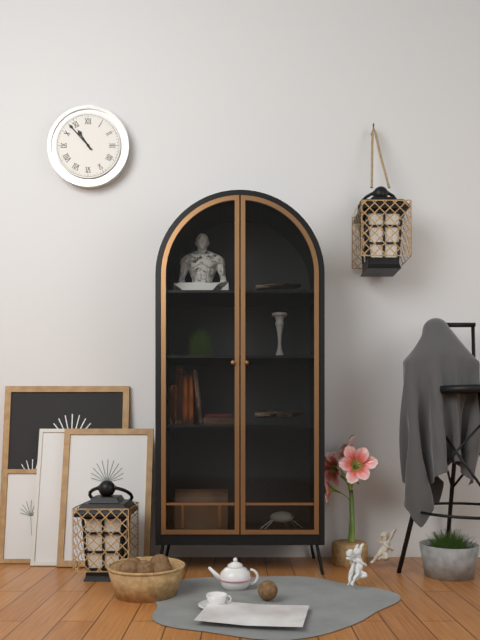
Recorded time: 10.53
